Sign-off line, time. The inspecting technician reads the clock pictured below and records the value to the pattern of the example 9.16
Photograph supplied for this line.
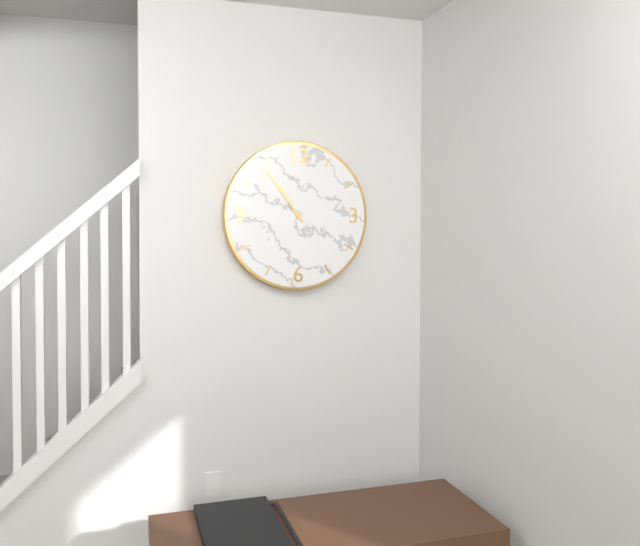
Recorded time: 10.54
